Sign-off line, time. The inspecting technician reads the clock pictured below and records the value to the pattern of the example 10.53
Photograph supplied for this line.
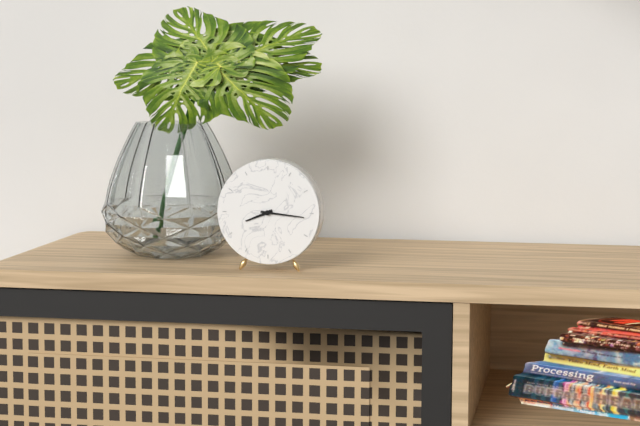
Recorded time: 8.16
